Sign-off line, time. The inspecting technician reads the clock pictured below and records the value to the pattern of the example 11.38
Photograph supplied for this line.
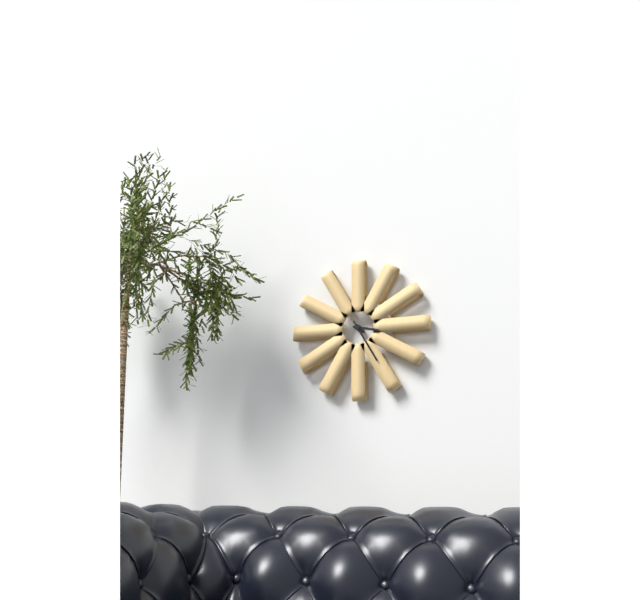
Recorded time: 3.25
